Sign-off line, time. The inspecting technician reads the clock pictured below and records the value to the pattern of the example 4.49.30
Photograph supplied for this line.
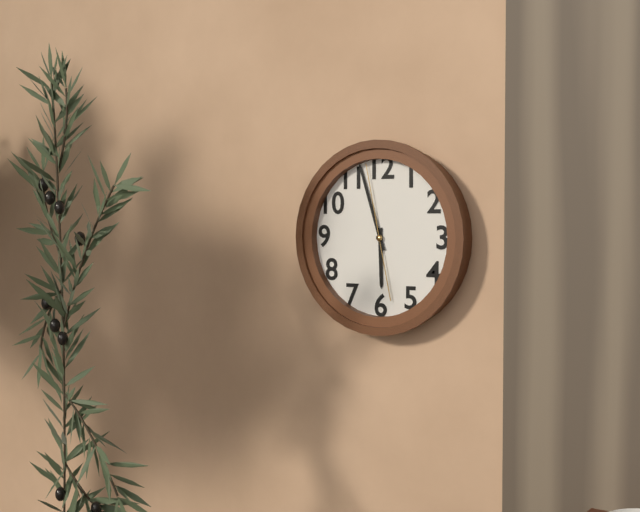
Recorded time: 5.57.58
